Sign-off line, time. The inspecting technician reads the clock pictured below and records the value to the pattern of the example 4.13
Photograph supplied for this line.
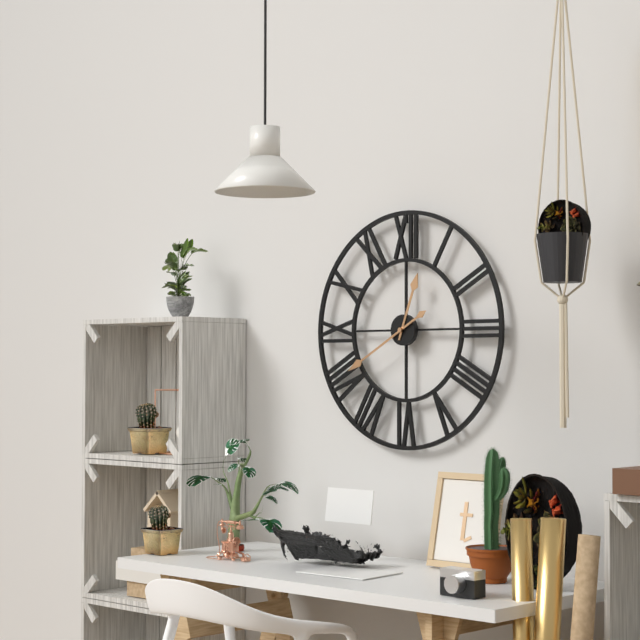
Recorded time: 12.40
